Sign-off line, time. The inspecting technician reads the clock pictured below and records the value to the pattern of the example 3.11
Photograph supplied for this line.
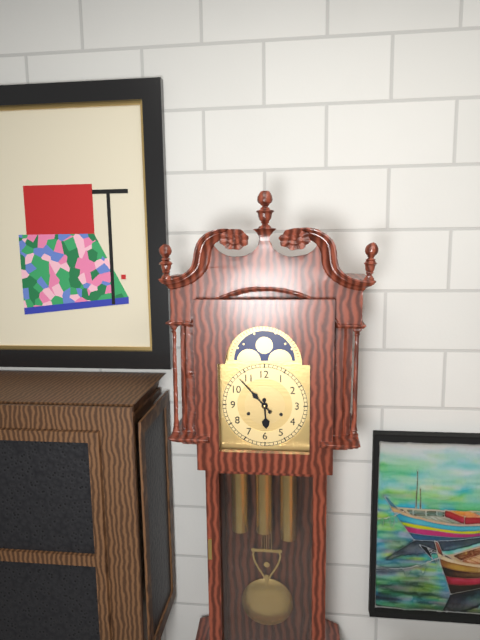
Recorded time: 5.53
